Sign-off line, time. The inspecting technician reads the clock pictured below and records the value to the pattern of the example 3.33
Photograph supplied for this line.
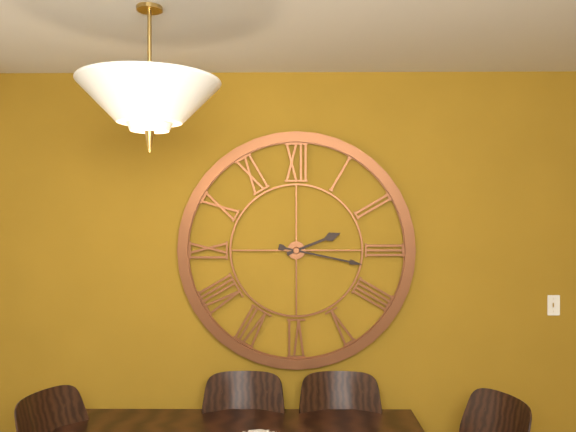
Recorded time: 2.17
